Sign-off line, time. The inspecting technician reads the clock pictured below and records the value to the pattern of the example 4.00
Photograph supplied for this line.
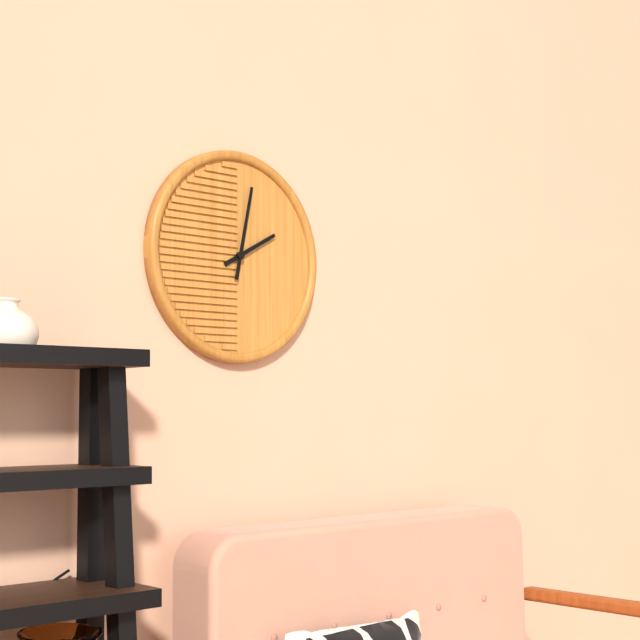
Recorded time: 2.02
